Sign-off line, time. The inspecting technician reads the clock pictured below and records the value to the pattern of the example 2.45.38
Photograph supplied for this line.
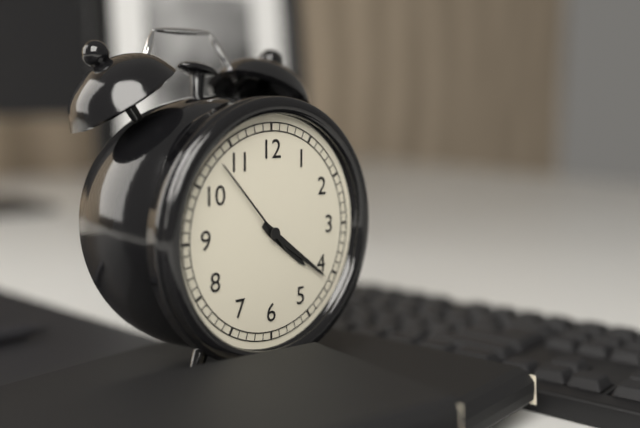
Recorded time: 4.21.53
